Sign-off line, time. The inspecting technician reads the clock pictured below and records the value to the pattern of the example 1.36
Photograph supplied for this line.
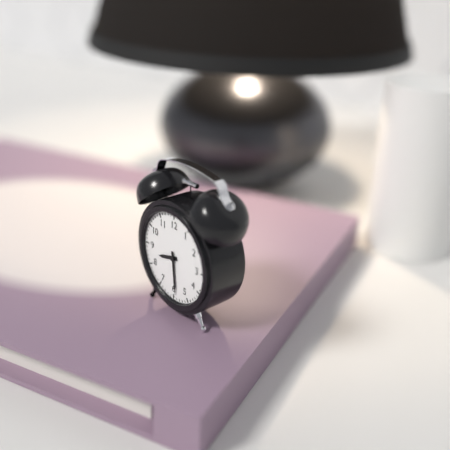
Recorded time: 8.29
